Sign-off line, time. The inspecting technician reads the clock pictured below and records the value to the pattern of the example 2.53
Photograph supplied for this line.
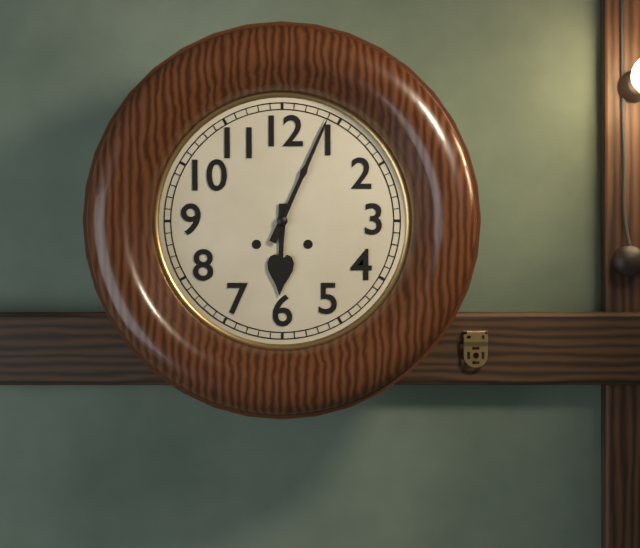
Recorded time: 6.04
